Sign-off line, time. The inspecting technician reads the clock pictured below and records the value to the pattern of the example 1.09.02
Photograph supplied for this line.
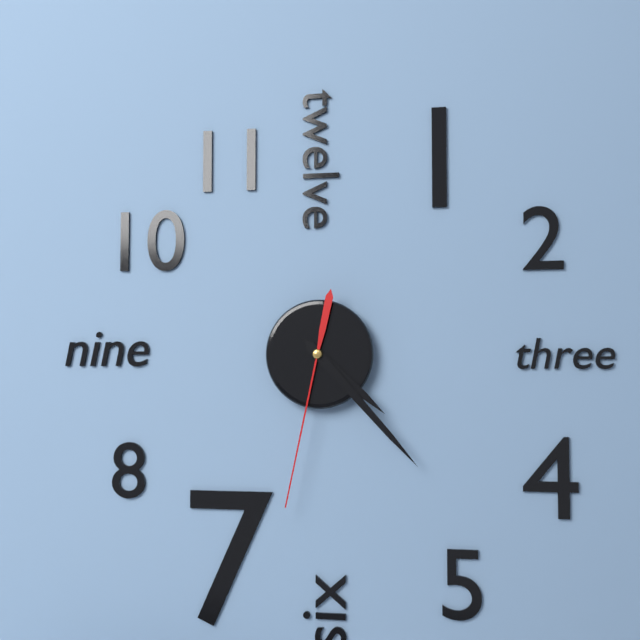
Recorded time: 4.23.32
